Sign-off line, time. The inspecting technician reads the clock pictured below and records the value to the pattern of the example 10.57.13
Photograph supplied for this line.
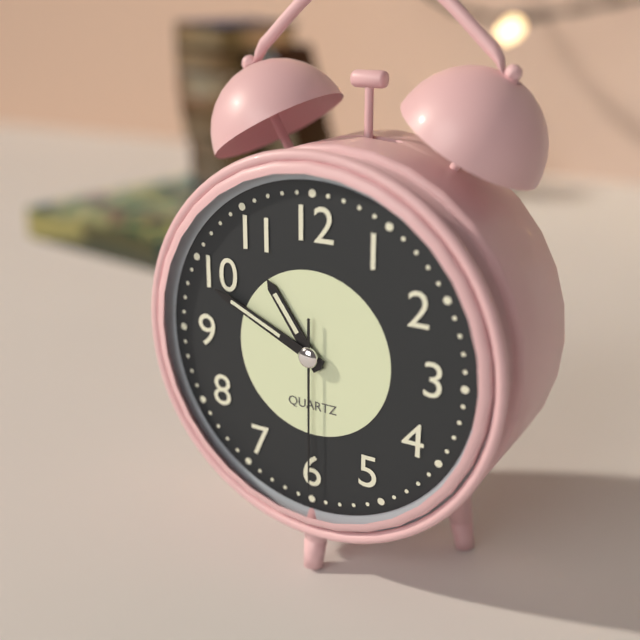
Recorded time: 10.49.30
